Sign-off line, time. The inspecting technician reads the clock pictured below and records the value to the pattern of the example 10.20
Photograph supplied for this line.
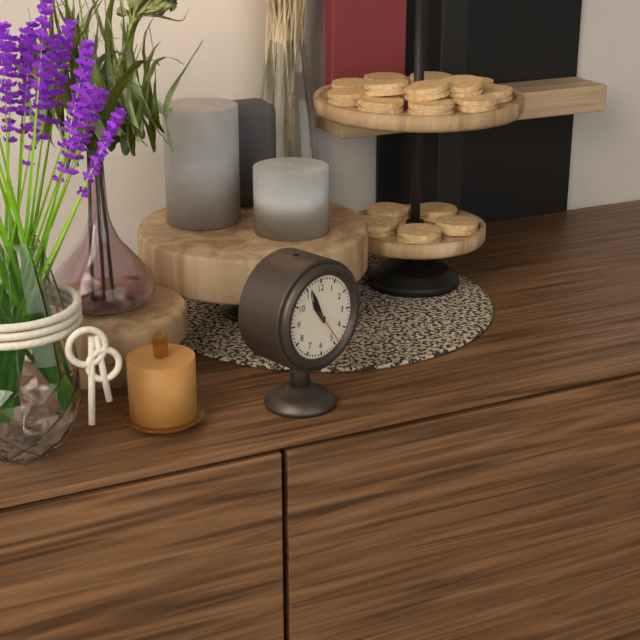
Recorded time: 10.56
